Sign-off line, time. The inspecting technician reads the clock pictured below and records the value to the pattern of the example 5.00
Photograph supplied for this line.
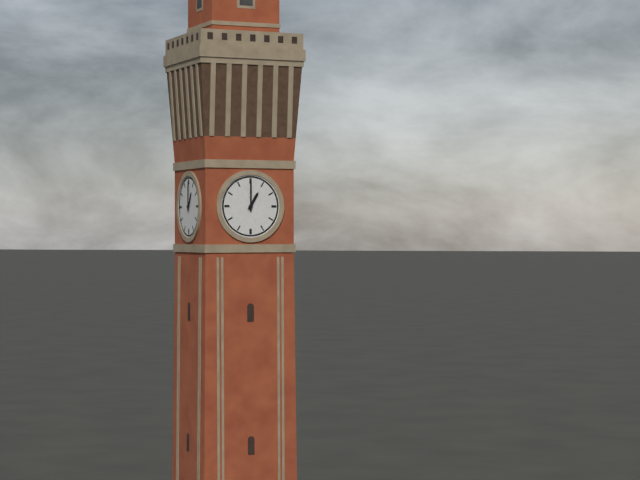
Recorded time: 1.00
